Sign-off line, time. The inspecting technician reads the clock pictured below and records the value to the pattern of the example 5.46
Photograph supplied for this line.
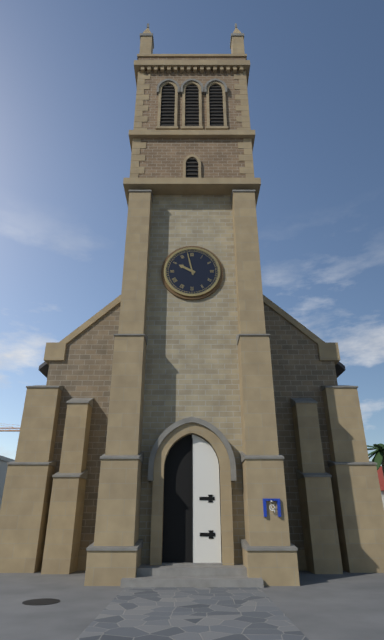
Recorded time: 9.58
